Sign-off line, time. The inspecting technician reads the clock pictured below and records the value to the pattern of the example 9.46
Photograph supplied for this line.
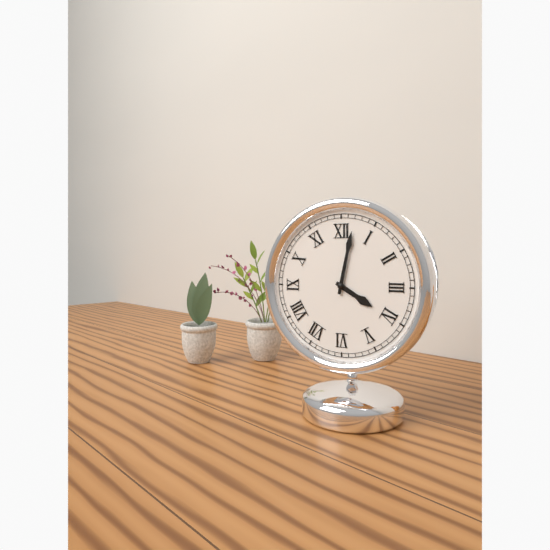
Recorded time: 4.02
